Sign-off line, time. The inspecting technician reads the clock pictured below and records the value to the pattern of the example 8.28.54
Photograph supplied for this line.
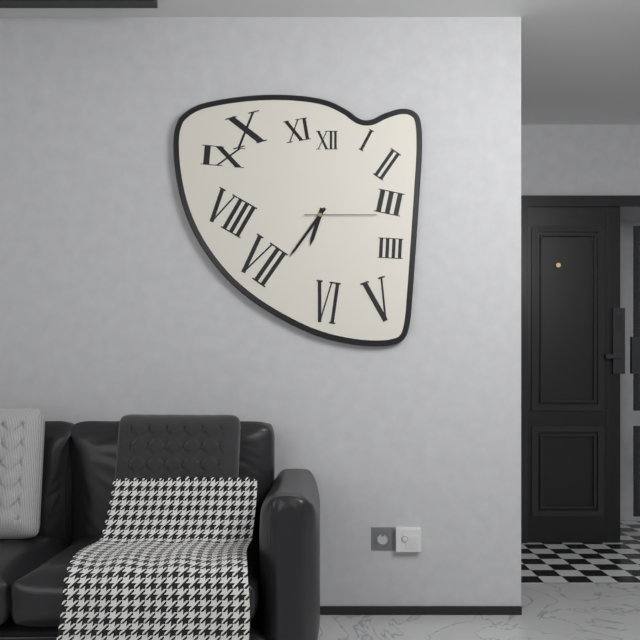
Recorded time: 6.36.15
